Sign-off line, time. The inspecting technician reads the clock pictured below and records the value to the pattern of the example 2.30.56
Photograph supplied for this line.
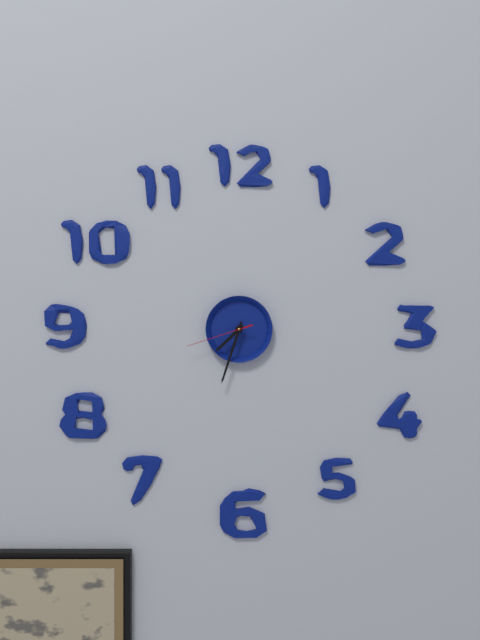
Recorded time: 7.33.42
